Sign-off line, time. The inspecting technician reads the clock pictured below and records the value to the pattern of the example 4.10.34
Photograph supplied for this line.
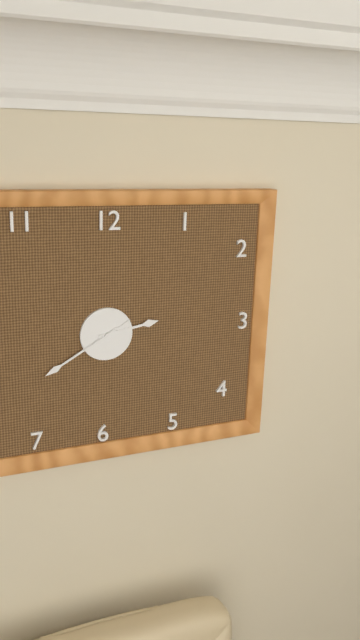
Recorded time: 2.40.40
